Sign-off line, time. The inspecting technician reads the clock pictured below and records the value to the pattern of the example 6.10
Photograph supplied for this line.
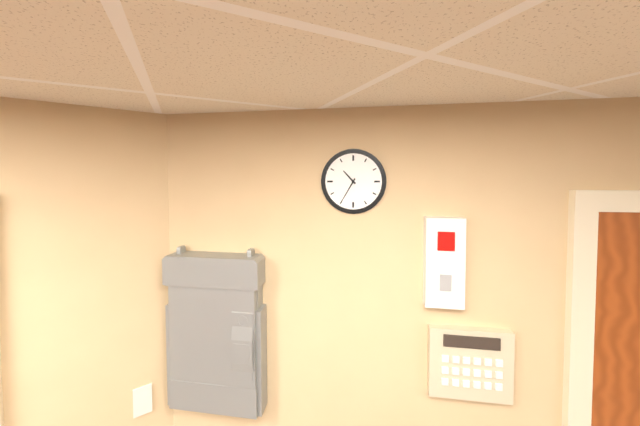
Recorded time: 10.35
